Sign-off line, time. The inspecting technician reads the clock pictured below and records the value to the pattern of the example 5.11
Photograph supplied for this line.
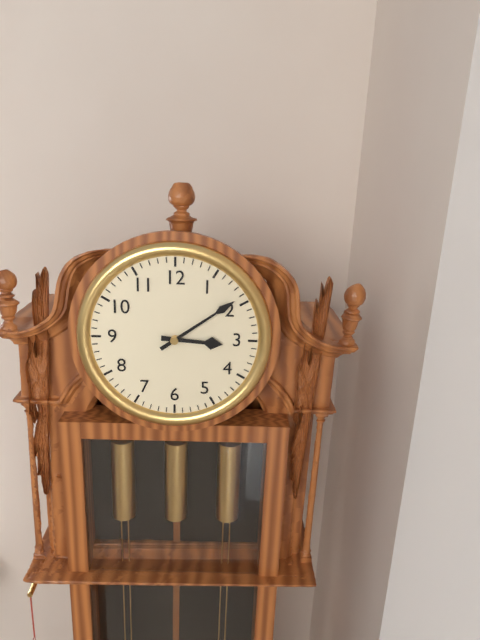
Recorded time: 3.09
